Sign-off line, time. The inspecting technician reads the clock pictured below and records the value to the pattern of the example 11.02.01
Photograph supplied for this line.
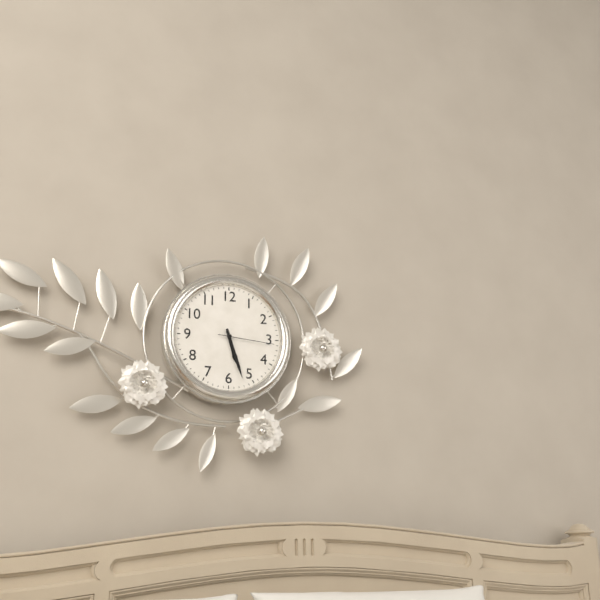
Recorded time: 5.27.16
